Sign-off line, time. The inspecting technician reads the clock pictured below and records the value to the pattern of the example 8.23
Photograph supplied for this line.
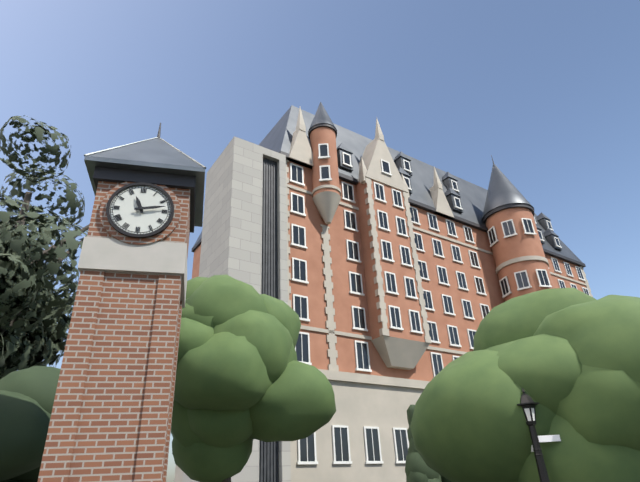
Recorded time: 11.13
